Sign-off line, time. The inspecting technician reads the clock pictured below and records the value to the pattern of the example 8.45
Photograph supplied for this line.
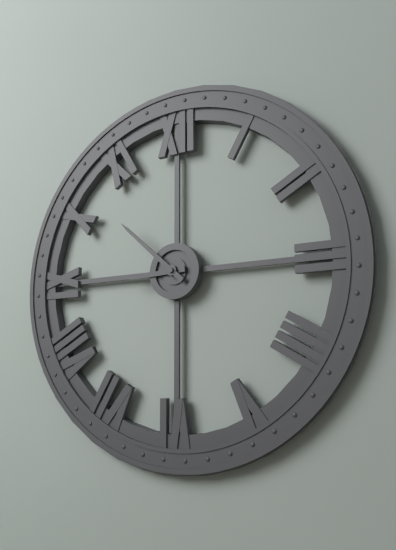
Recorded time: 8.52
